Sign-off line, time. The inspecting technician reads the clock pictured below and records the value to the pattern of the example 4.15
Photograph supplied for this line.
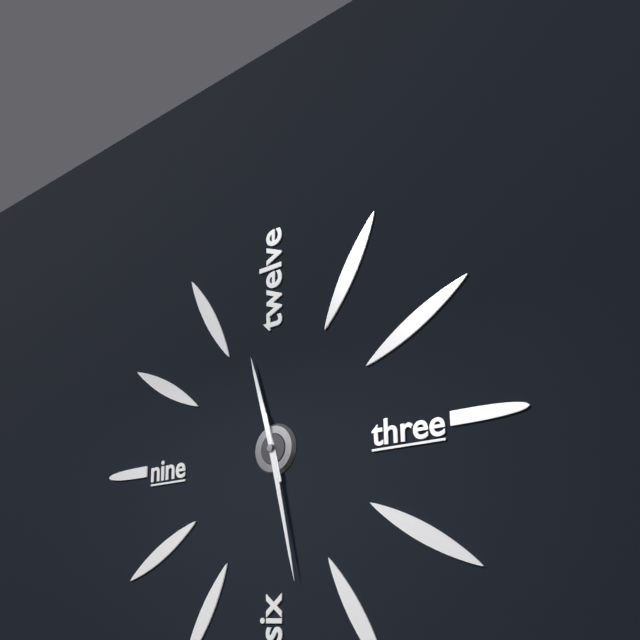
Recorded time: 11.28
